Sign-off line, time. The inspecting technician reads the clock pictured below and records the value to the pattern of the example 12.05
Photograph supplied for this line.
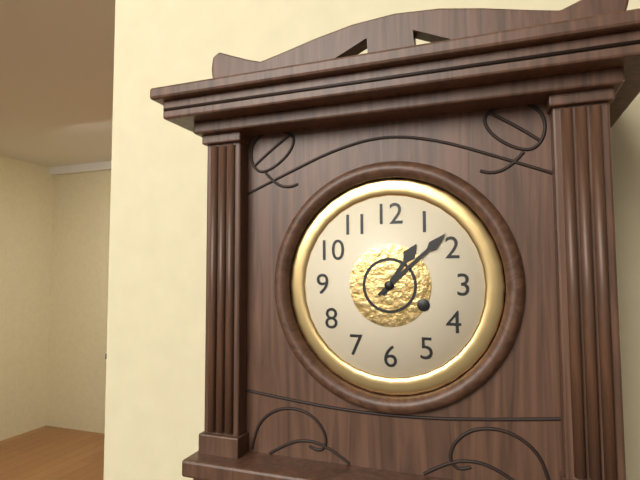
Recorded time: 1.08
